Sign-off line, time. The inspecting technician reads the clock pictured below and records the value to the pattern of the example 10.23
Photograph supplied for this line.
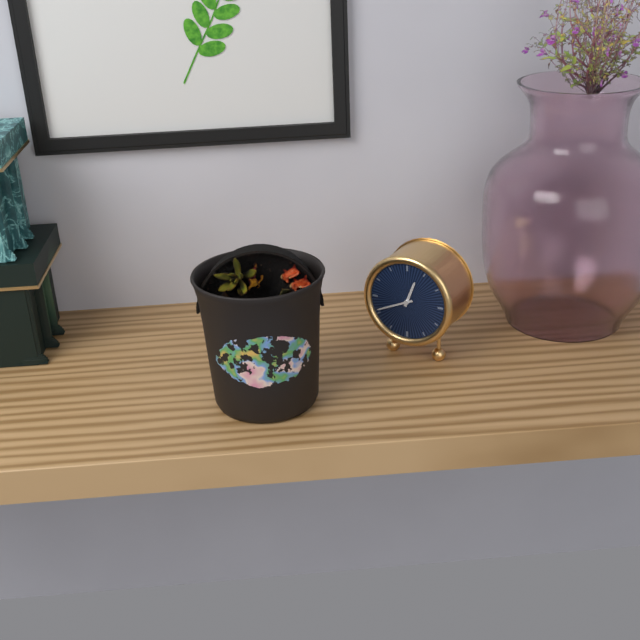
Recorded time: 12.41
